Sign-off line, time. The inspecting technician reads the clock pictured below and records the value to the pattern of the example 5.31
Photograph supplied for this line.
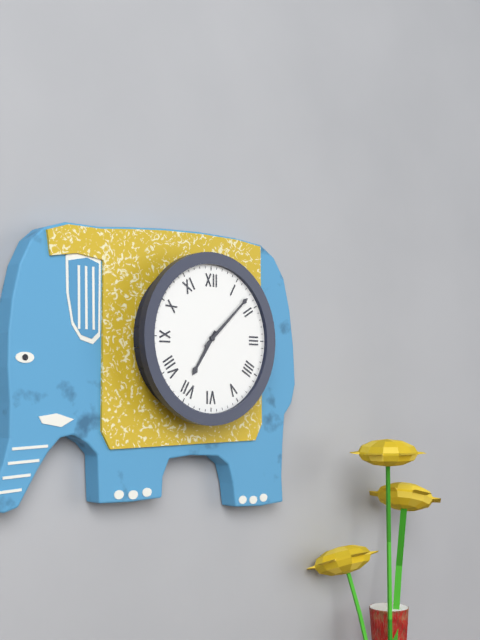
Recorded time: 7.08
